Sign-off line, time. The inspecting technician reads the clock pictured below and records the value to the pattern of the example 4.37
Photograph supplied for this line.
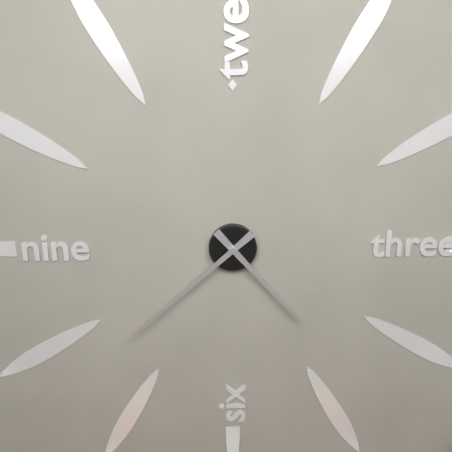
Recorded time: 4.38
